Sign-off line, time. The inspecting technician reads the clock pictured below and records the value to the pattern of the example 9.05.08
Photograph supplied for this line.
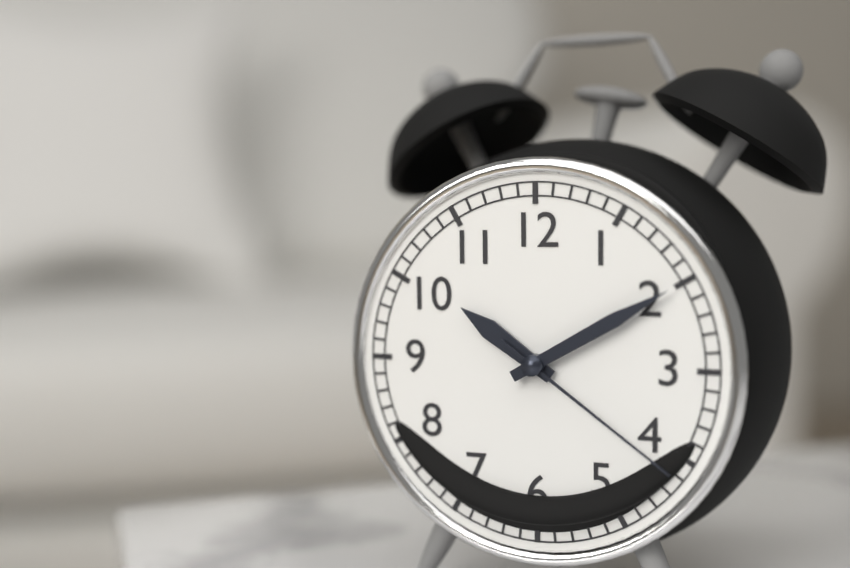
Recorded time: 10.10.21
